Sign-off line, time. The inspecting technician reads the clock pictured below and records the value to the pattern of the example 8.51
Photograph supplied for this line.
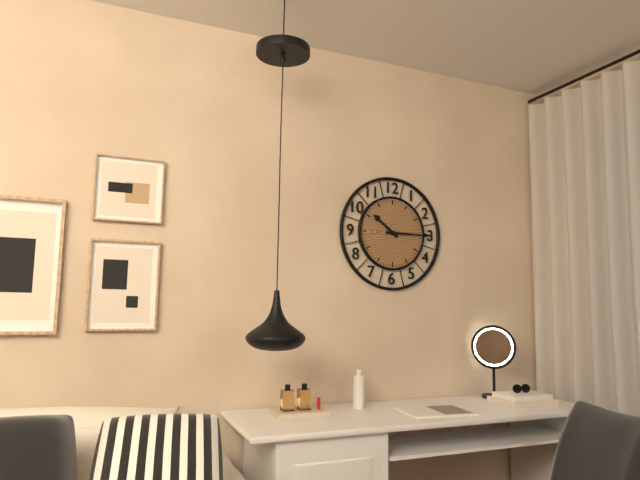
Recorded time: 10.15
